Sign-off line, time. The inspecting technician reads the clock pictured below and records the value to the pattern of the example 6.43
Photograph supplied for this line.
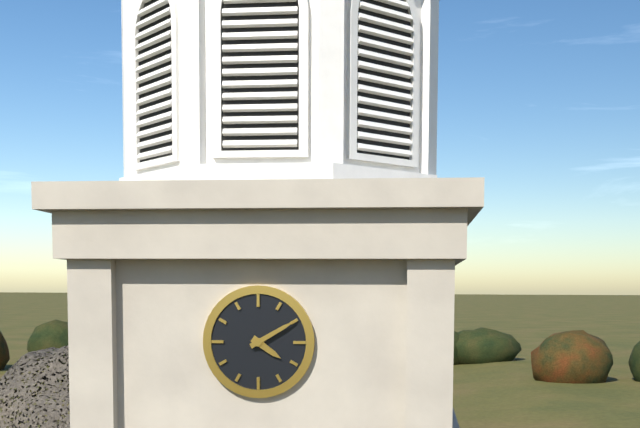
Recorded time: 4.10
